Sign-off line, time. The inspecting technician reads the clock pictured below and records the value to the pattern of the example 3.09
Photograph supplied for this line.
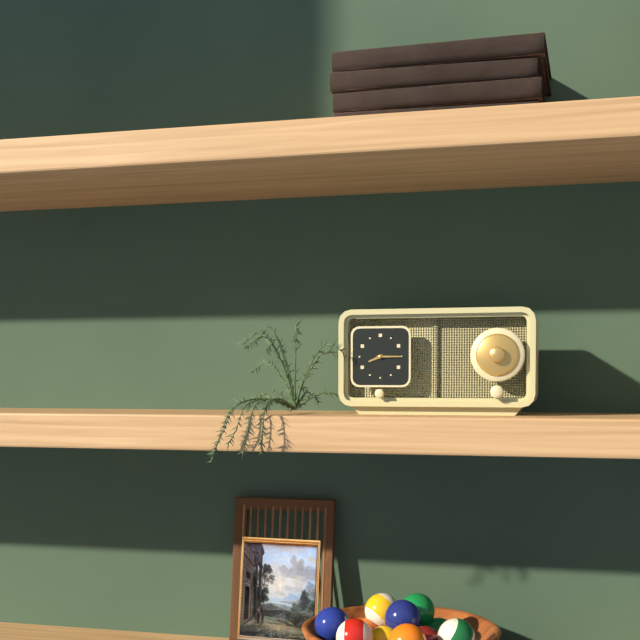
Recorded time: 8.15
